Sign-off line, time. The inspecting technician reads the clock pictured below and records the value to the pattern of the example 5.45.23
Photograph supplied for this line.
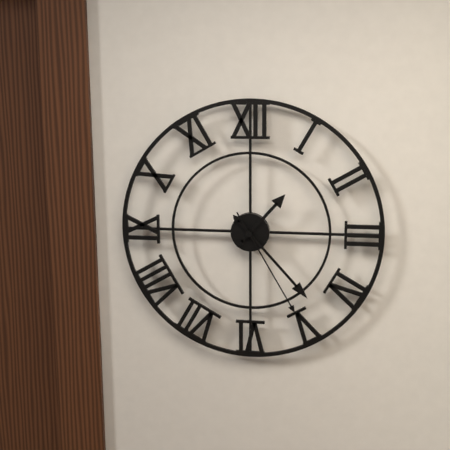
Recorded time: 1.23.25
